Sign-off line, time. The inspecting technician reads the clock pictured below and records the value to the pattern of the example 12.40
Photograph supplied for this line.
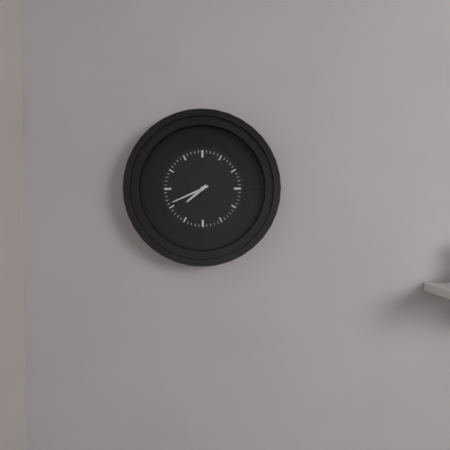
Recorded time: 7.41
